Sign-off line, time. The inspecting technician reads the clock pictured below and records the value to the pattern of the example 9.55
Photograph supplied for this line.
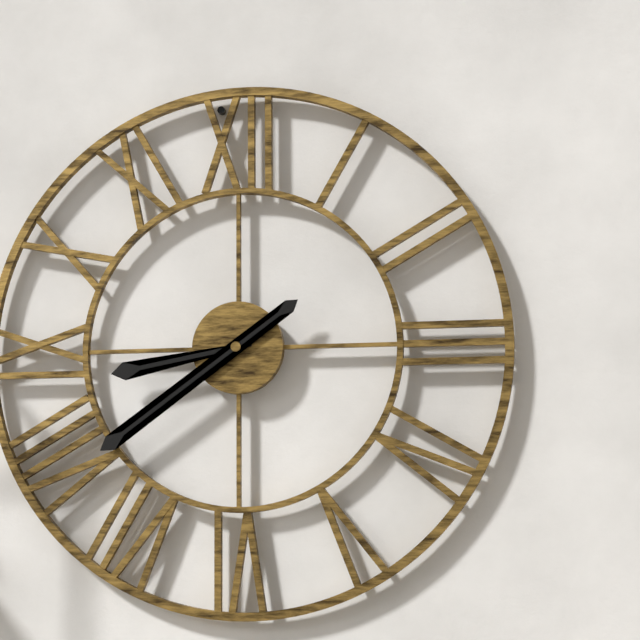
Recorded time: 8.39
